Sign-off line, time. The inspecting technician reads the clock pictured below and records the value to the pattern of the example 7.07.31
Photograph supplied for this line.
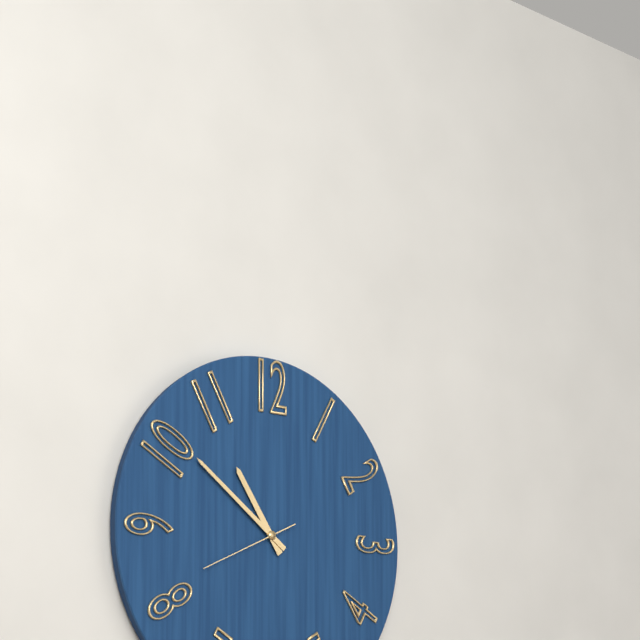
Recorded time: 10.51.41
